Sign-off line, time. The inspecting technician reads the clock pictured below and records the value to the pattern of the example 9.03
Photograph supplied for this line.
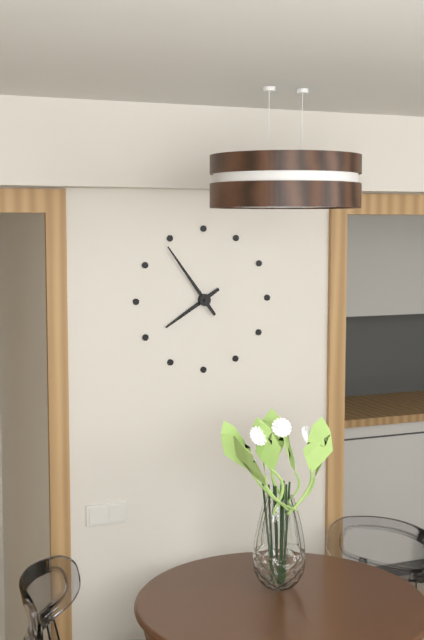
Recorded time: 7.54
